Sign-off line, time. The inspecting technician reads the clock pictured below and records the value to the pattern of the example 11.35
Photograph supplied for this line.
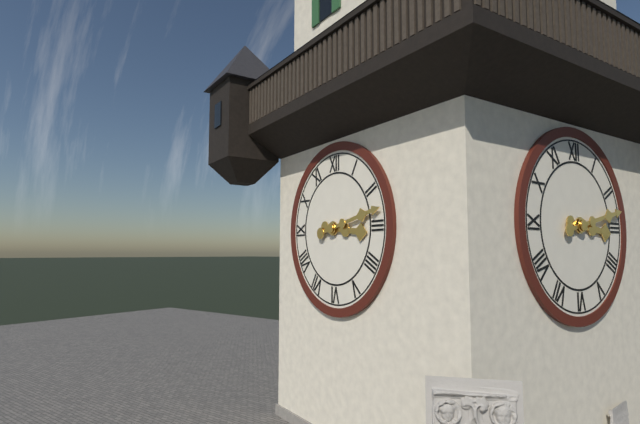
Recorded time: 3.13
